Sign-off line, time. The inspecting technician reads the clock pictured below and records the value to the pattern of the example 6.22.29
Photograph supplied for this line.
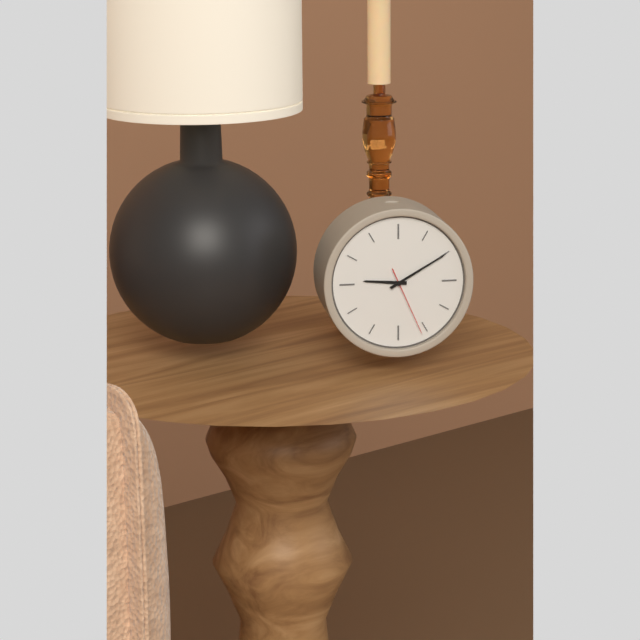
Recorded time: 9.10.26
